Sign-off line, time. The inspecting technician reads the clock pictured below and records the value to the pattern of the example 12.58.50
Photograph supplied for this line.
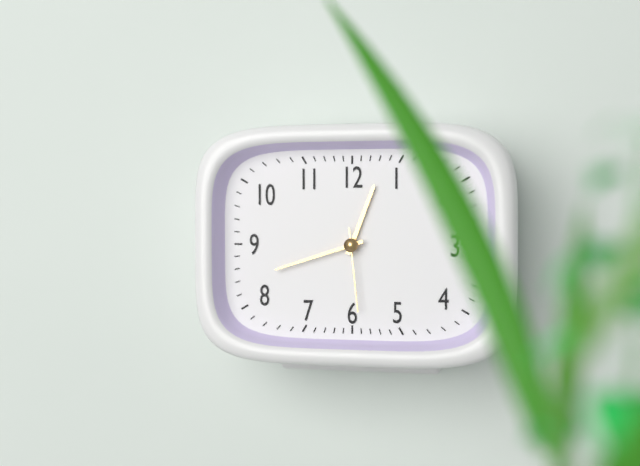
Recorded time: 12.42.29
